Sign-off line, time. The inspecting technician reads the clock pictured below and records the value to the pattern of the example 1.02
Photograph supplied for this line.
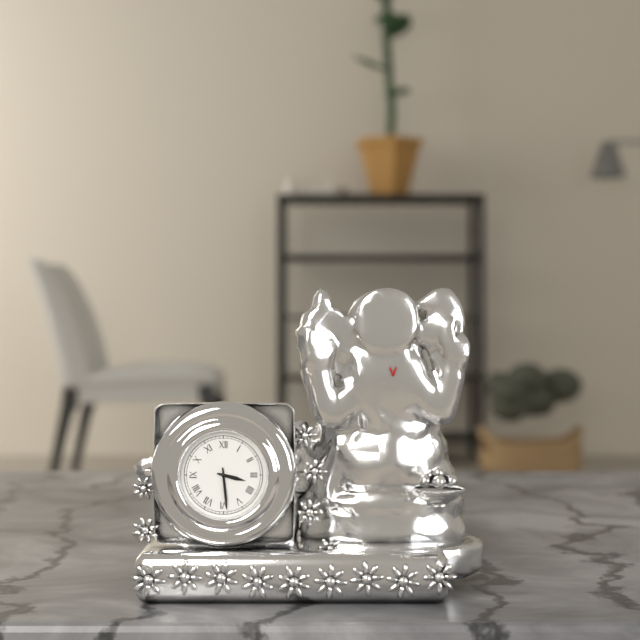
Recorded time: 3.29
